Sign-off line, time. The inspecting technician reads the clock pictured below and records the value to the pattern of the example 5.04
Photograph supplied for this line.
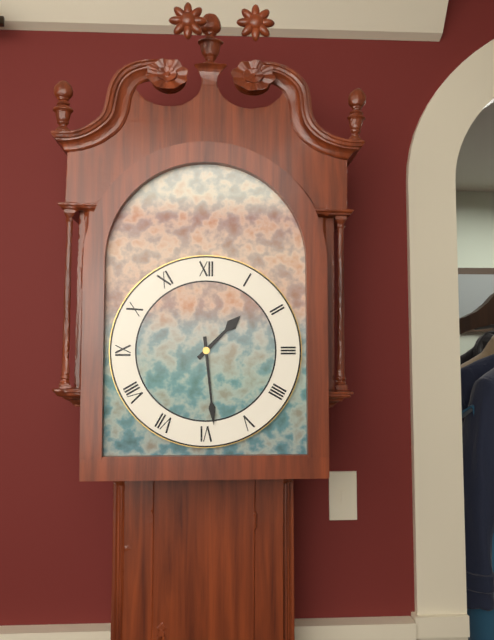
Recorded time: 1.29
